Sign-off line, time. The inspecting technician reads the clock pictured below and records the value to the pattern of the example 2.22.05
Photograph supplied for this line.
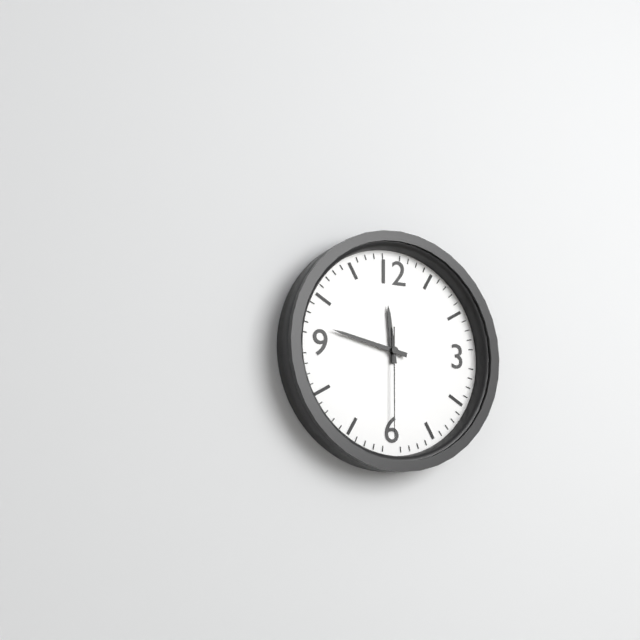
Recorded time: 11.47.30
